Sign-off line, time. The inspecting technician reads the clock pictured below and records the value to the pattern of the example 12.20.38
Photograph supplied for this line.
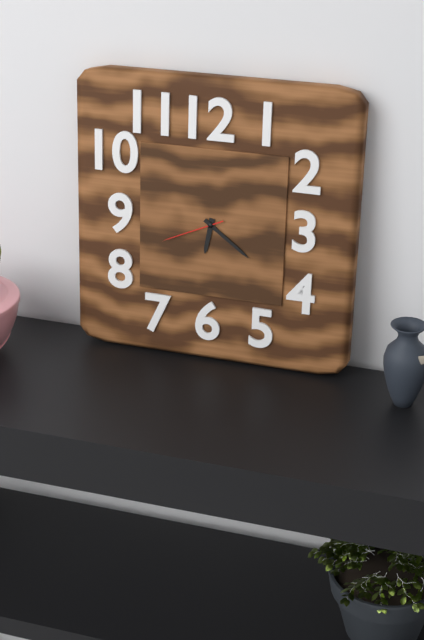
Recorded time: 6.21.41
